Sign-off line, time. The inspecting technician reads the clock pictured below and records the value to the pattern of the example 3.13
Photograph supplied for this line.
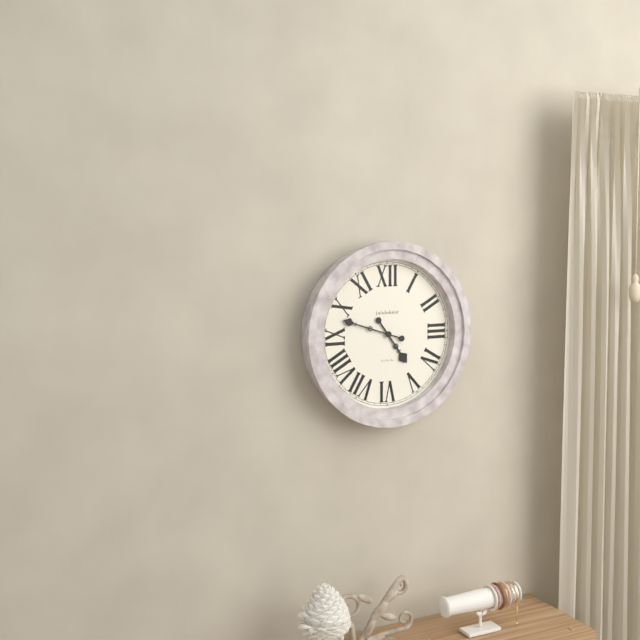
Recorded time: 4.48
